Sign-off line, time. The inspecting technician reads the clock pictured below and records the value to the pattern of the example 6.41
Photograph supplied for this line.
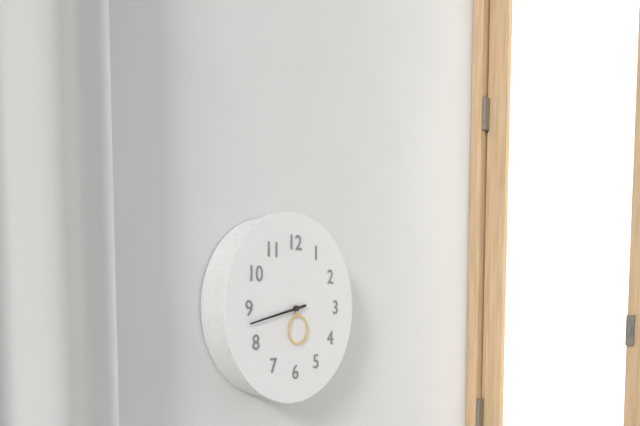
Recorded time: 5.43
